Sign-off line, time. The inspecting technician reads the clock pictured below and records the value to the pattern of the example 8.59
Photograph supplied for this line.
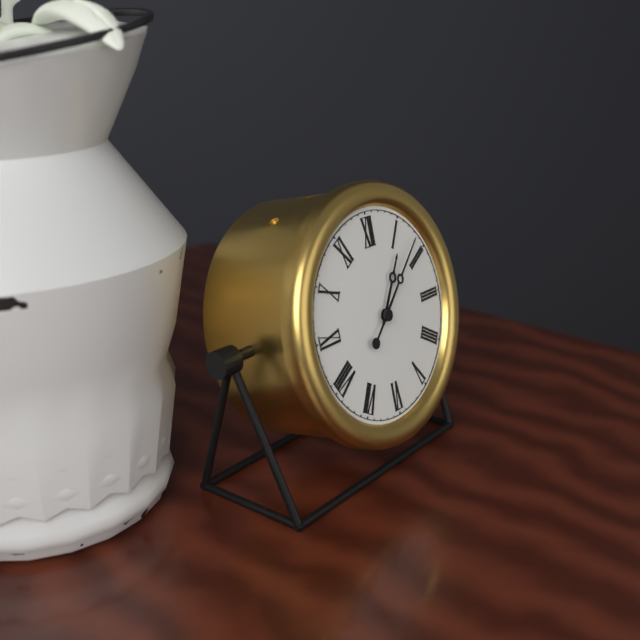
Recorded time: 1.08
